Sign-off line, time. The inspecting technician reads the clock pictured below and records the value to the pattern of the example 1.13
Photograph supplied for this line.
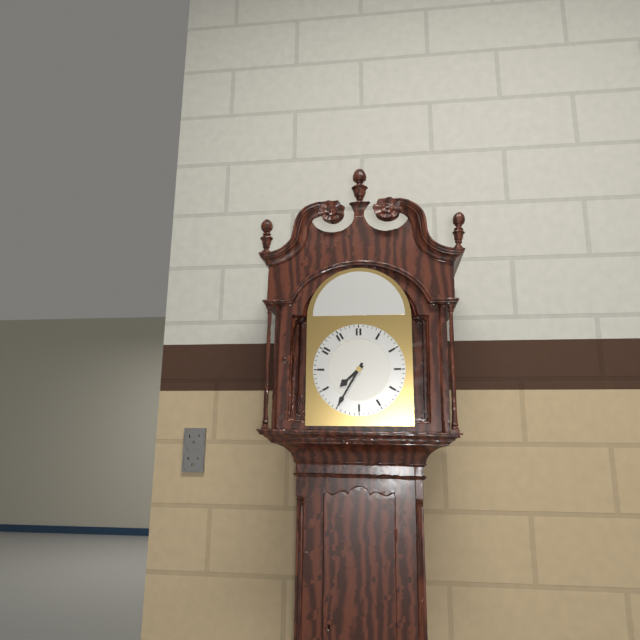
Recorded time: 7.35
